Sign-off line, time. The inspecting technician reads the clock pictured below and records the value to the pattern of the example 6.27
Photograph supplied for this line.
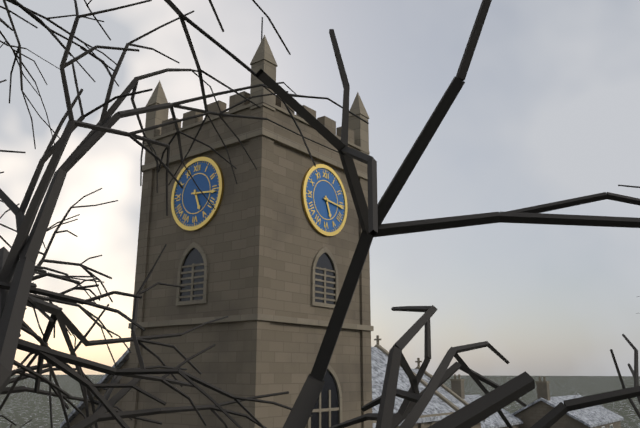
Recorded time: 5.16
